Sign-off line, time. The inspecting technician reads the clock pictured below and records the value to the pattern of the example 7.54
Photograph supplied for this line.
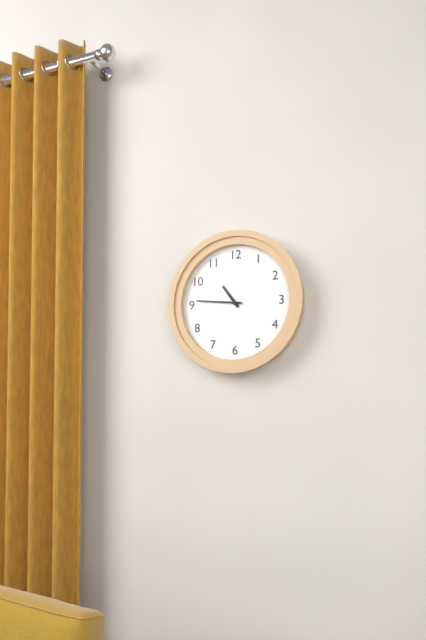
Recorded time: 10.46
